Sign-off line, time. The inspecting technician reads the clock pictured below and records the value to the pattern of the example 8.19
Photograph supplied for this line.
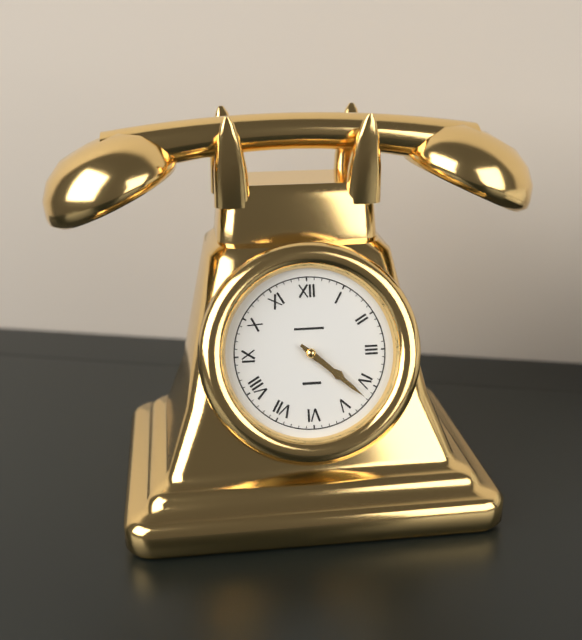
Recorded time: 4.22
